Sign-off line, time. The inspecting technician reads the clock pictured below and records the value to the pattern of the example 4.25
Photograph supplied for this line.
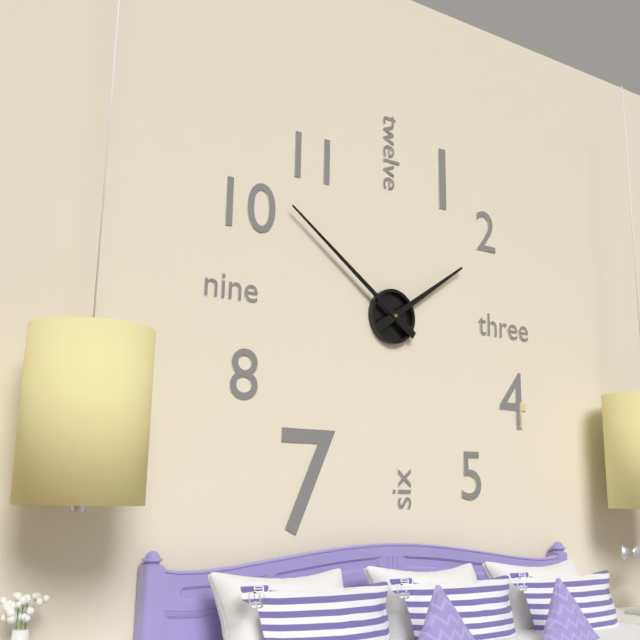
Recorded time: 1.51
